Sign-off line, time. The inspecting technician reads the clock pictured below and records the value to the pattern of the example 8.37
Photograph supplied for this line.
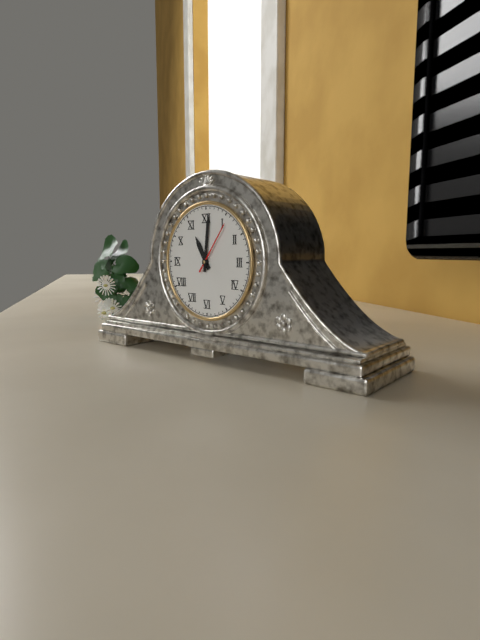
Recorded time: 11.01
